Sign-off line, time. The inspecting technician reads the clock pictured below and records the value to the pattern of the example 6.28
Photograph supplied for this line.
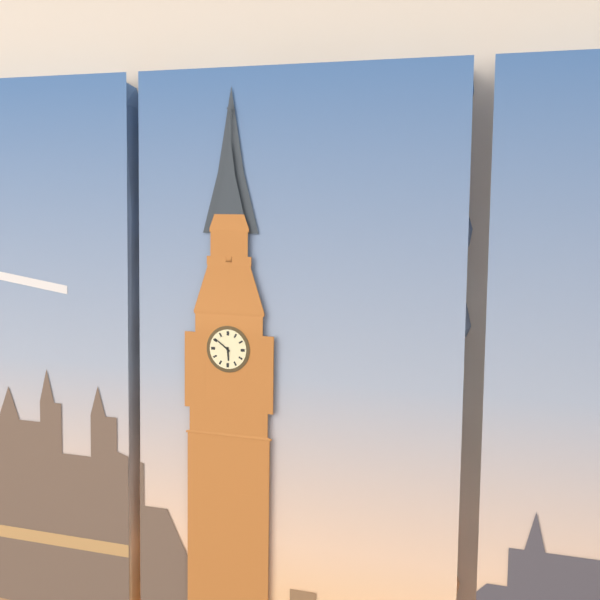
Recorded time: 5.51
